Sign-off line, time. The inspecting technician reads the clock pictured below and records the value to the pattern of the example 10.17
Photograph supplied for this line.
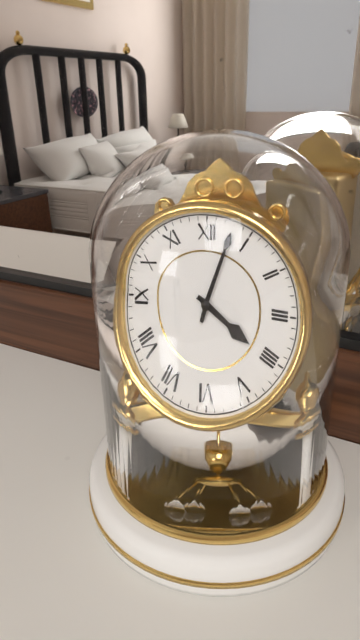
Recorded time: 4.03
